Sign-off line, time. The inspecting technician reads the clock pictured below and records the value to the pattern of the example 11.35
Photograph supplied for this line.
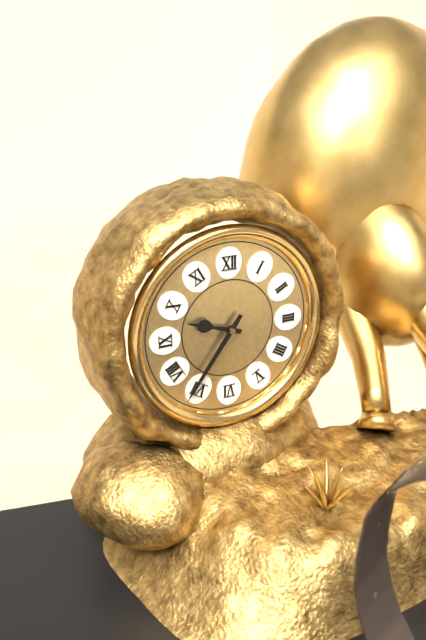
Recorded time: 9.36
